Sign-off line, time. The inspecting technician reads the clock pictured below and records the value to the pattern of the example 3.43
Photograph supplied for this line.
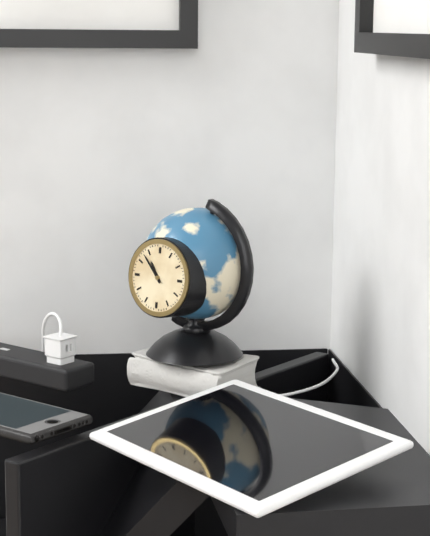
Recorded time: 10.53
